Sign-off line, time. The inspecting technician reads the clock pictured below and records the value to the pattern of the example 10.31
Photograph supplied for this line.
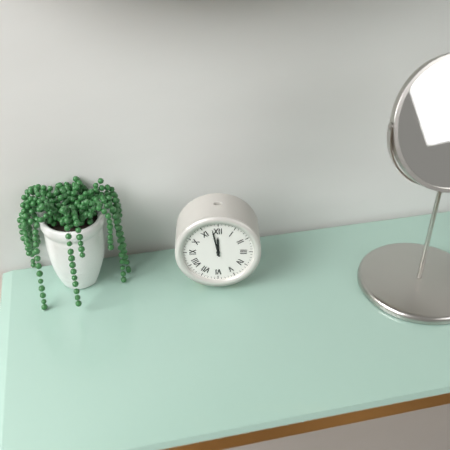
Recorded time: 11.58
